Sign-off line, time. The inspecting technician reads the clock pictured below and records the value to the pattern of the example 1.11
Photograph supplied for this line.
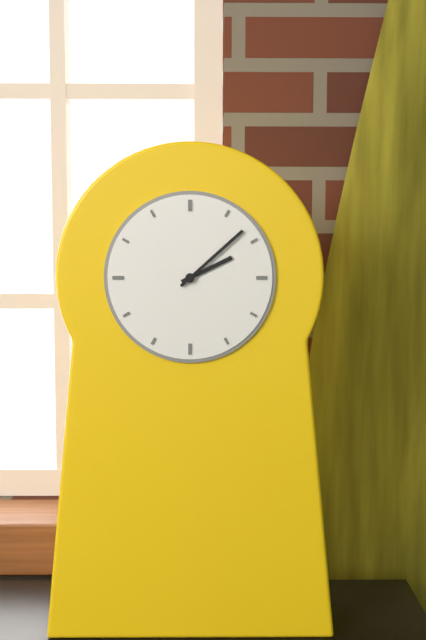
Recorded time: 2.08
